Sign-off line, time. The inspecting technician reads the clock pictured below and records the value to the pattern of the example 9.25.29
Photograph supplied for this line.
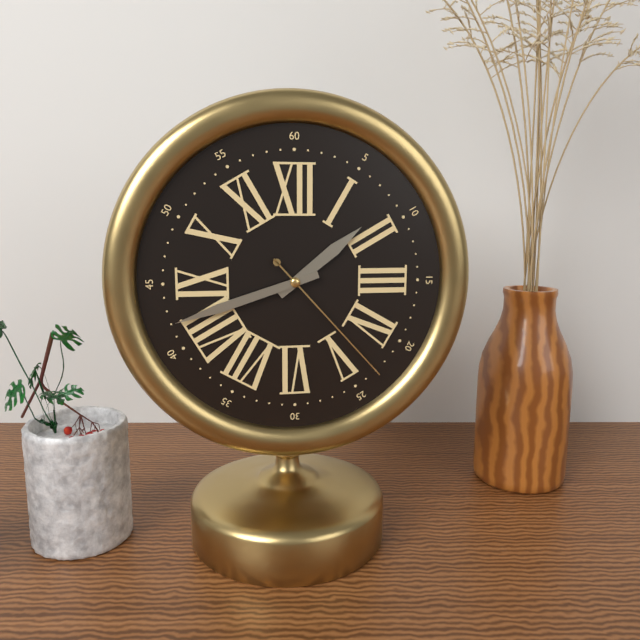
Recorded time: 1.42.23
